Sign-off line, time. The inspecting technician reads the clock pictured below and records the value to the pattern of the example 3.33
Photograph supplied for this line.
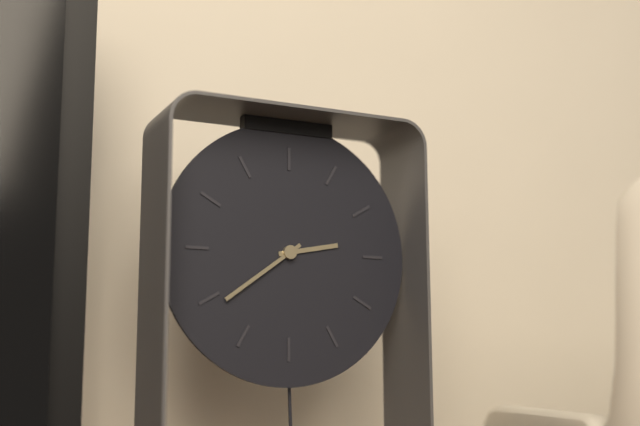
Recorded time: 2.39
